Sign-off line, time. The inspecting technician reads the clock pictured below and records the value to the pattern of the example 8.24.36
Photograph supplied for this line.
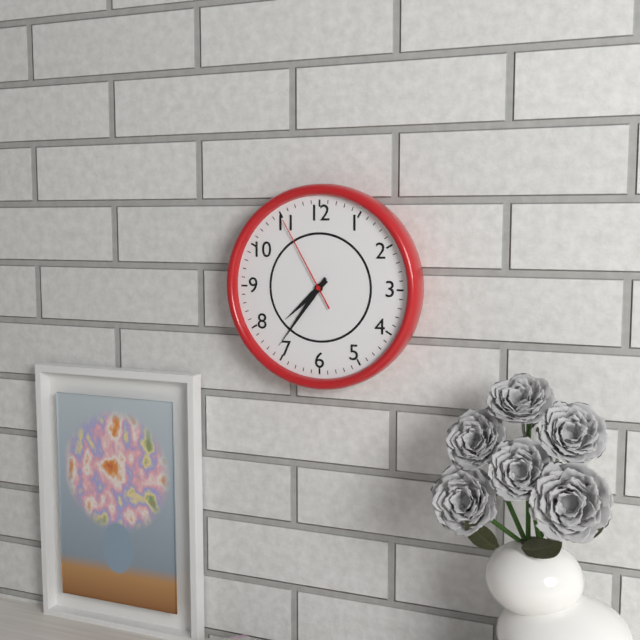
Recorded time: 7.36.55
